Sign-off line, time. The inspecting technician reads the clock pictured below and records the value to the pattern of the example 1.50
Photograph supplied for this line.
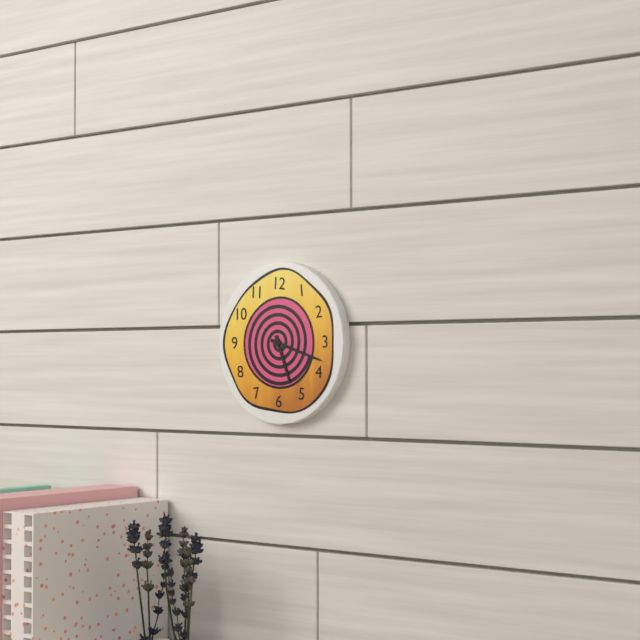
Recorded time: 5.18
